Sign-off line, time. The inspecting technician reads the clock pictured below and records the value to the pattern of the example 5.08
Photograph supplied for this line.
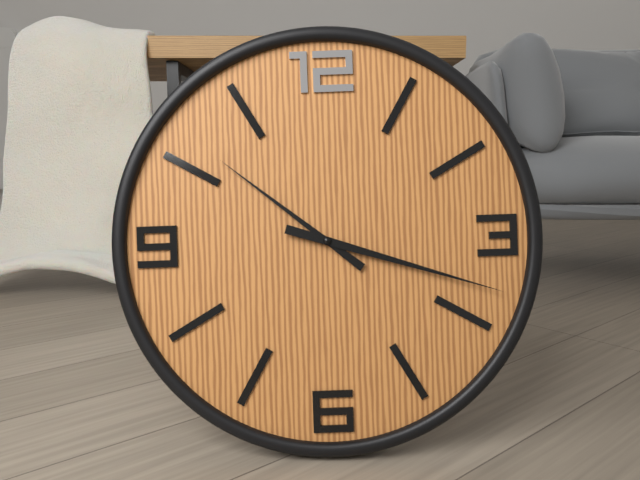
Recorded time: 10.18
